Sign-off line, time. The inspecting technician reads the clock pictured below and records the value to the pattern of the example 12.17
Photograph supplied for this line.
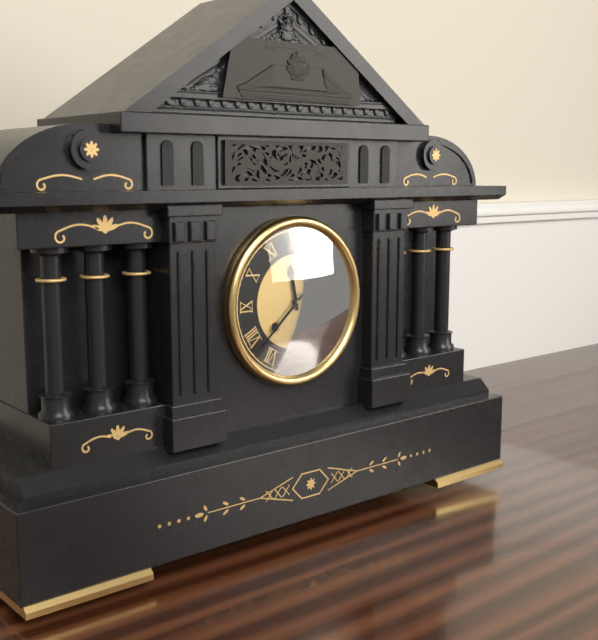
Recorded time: 11.38
